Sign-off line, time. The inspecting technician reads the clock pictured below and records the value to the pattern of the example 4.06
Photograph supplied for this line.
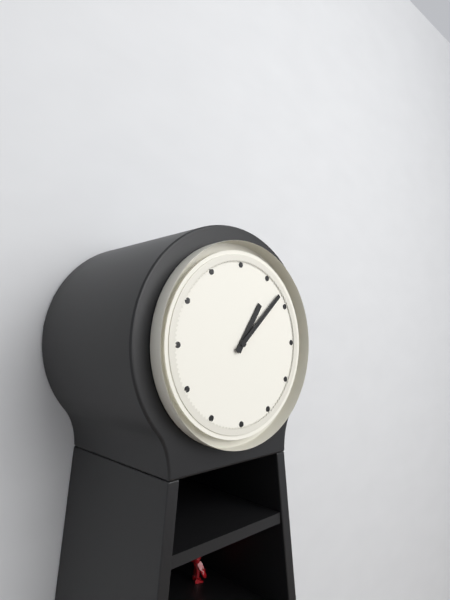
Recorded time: 1.08
